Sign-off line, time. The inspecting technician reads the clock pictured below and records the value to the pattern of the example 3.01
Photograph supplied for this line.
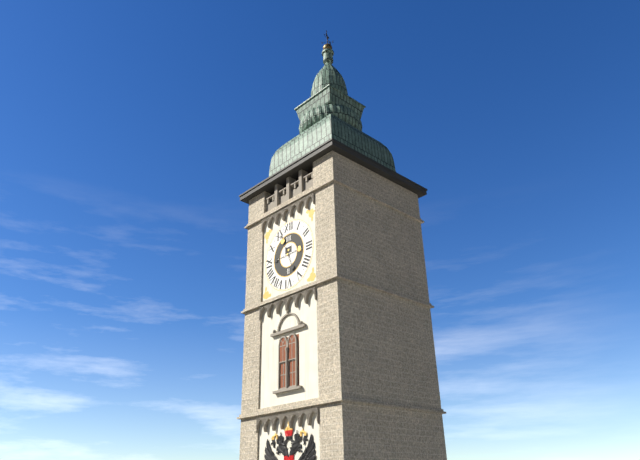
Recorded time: 2.56
